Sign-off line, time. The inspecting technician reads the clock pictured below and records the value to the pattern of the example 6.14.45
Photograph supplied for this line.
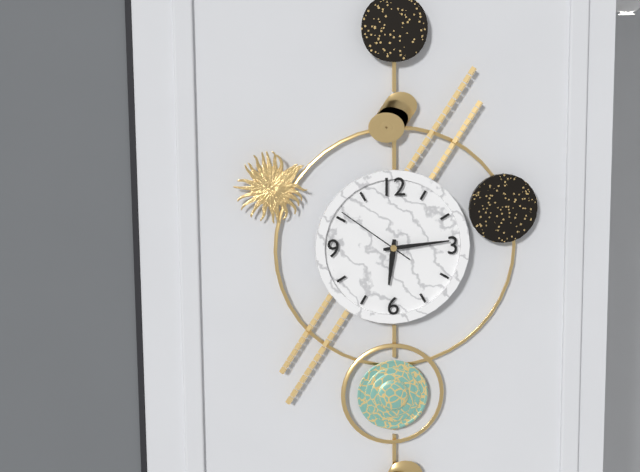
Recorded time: 6.14.51
